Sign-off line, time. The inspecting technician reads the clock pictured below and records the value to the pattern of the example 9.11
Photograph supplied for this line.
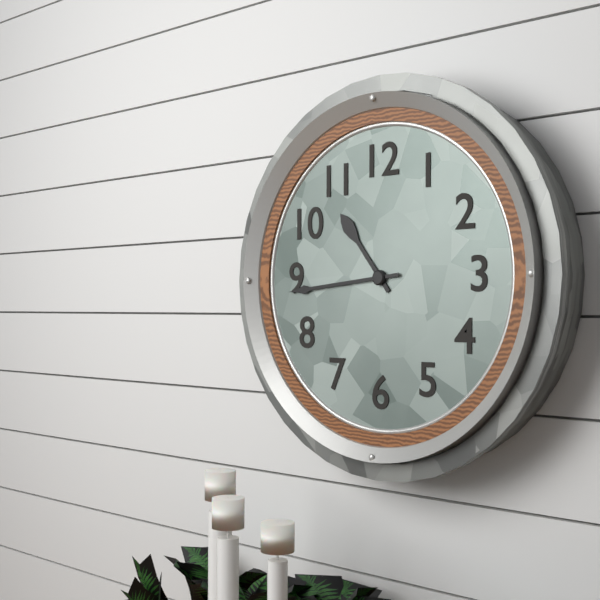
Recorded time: 10.44
